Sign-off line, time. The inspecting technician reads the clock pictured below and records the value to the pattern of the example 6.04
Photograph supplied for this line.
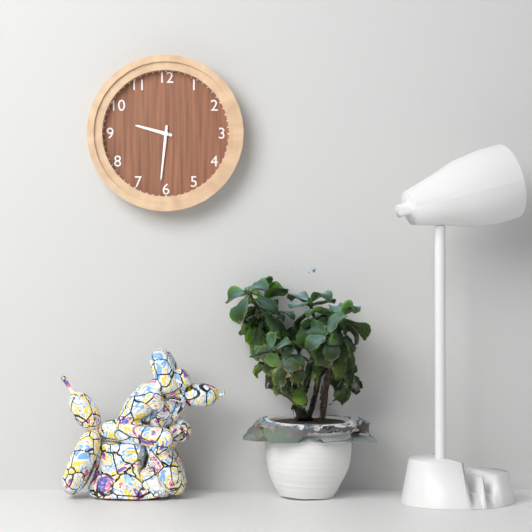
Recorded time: 9.31
